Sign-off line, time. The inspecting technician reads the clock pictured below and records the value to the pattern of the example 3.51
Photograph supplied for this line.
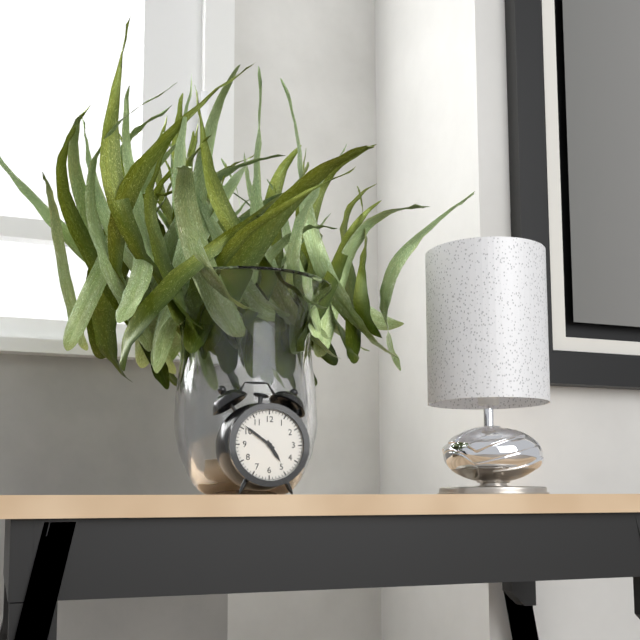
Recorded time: 4.51
